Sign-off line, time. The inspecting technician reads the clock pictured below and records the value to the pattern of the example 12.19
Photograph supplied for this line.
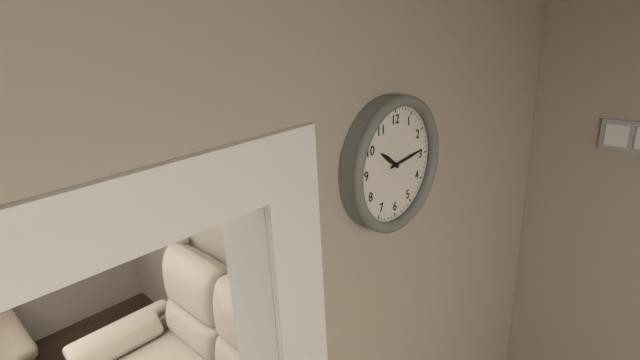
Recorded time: 10.14
